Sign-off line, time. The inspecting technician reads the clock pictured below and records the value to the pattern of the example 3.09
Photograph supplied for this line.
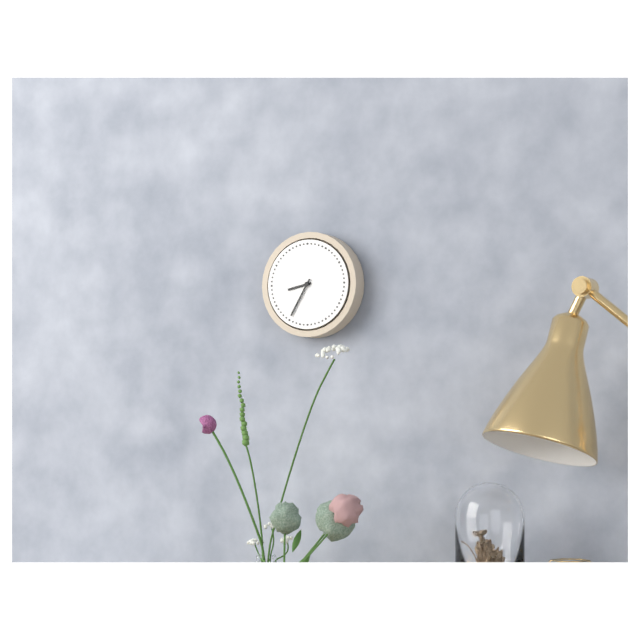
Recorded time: 8.35
